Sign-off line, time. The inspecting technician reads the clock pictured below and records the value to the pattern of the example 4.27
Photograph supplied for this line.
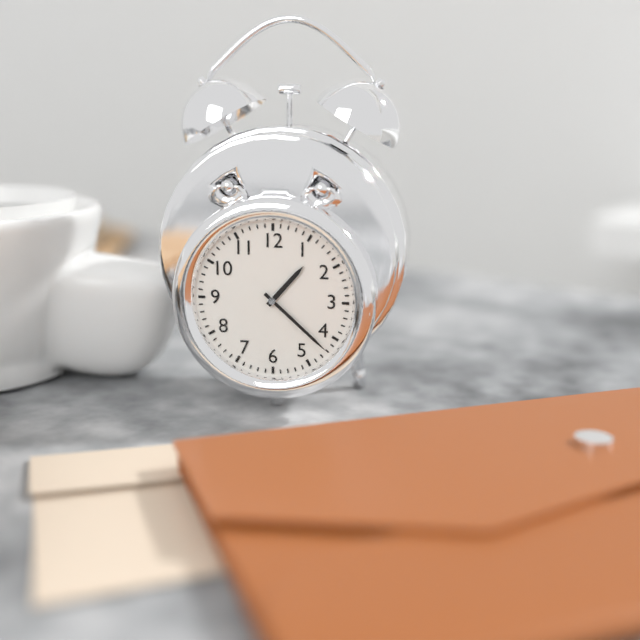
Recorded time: 1.22
